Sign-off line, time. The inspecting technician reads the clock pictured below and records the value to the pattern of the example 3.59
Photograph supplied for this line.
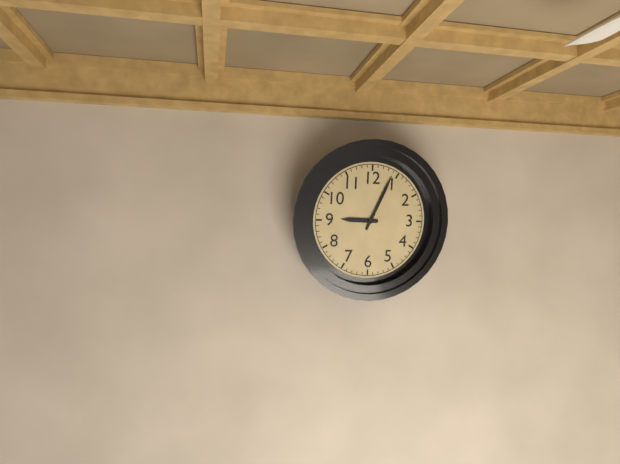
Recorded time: 9.04
